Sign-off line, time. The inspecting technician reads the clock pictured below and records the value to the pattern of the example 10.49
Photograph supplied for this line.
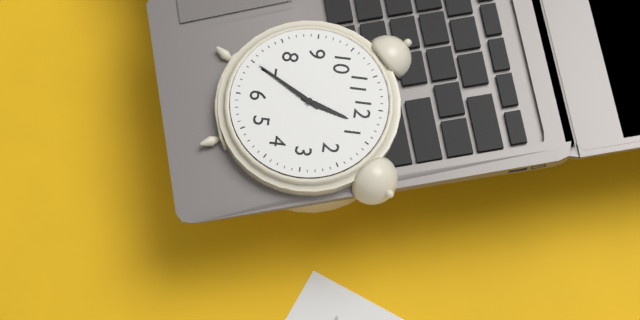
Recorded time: 12.35
